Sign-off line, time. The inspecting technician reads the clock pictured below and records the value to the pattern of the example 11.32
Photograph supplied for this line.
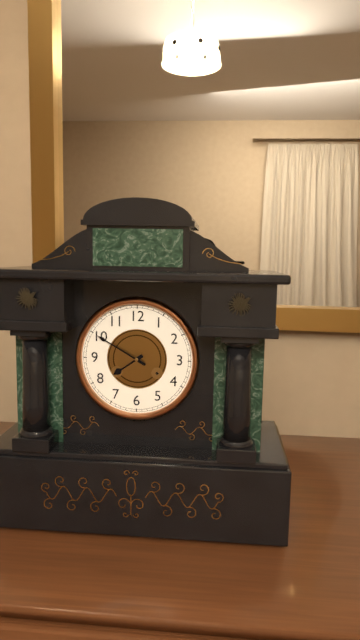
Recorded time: 7.50
